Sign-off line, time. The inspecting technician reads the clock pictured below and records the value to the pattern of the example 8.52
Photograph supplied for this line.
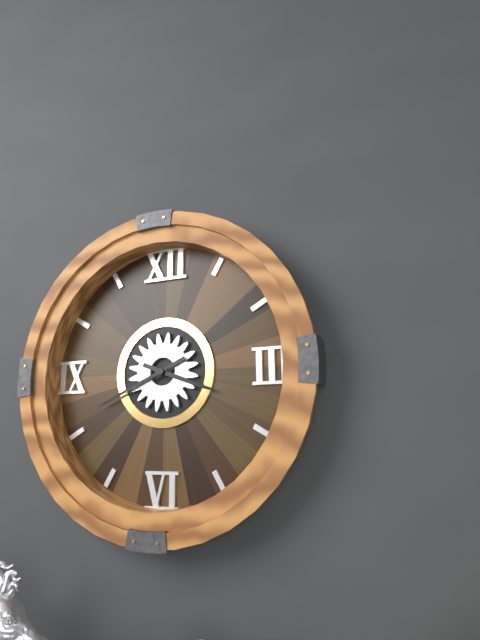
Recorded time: 3.41
